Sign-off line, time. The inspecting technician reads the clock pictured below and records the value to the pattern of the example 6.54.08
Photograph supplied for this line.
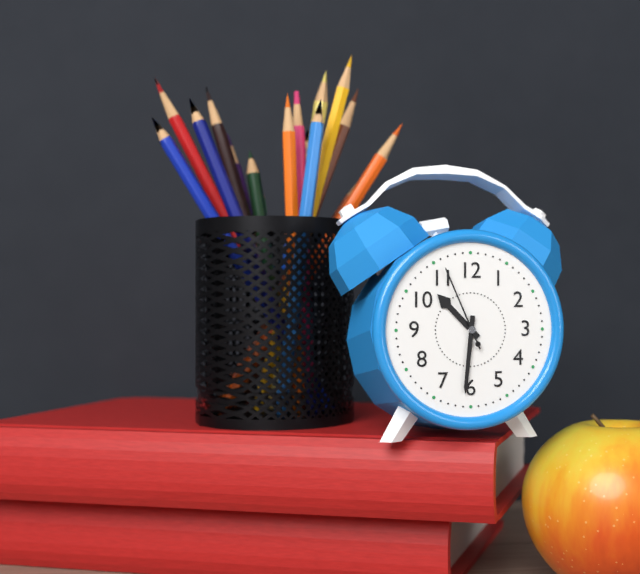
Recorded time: 10.31.56
